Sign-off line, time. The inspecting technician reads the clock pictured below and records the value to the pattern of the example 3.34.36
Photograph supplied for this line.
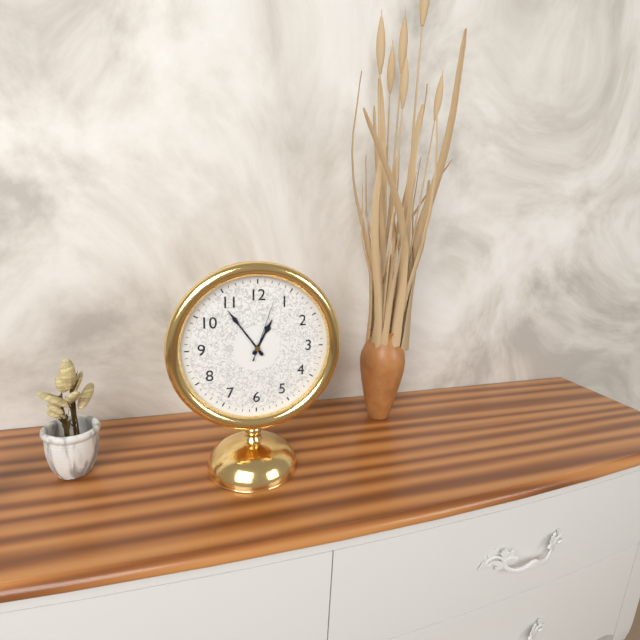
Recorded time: 12.54.03
